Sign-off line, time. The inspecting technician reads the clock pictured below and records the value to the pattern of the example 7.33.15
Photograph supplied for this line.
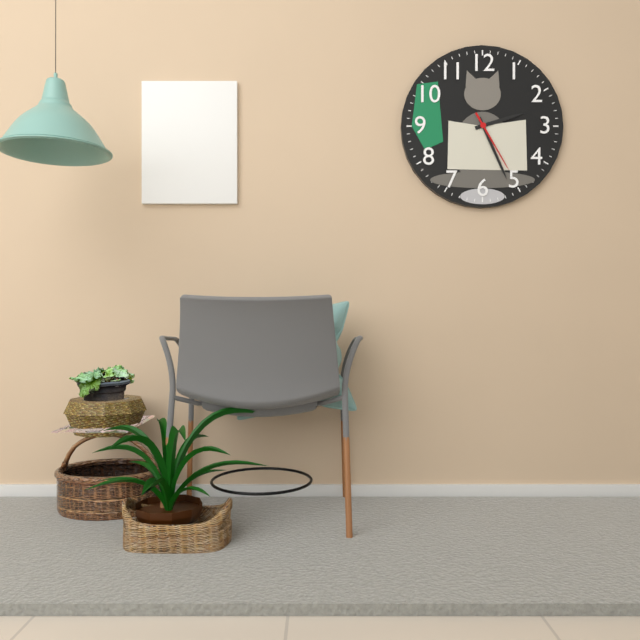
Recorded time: 2.26.25
